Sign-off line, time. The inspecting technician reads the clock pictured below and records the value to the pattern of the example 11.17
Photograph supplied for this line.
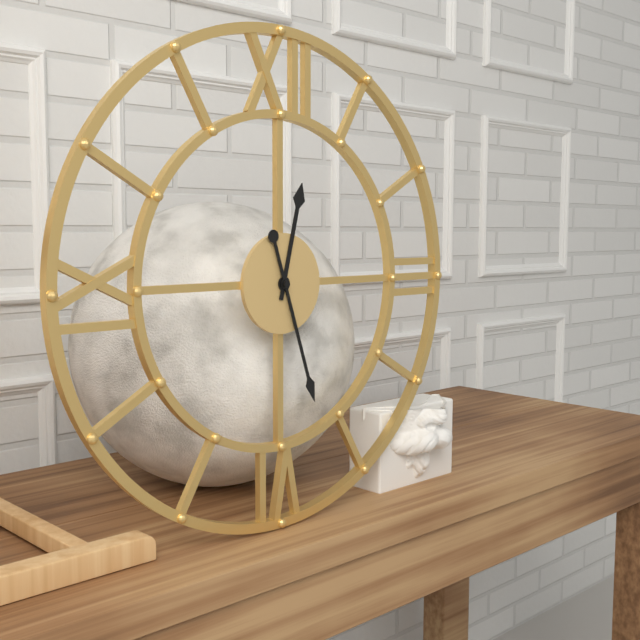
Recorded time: 12.27
